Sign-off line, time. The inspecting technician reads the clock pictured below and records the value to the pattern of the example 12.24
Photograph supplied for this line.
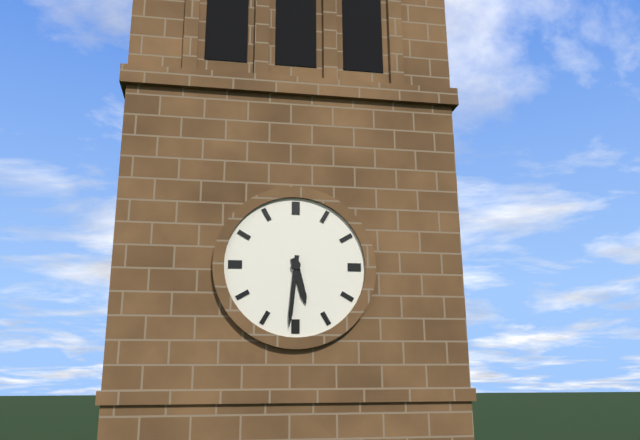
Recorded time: 5.31
